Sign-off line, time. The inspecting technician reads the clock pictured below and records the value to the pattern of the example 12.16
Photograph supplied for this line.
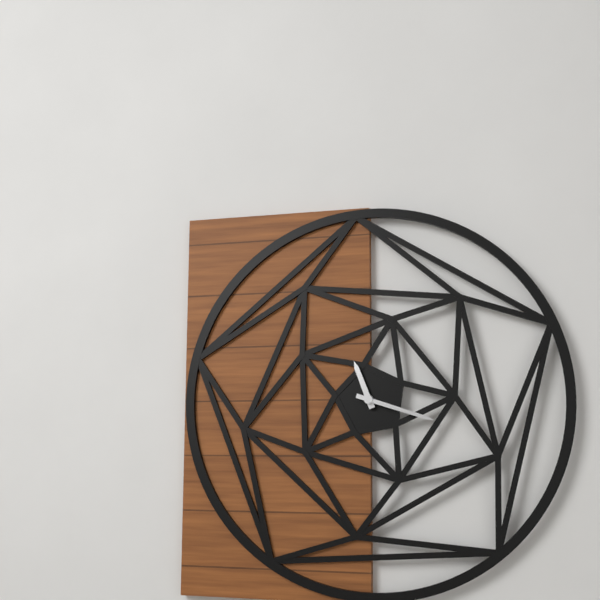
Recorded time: 11.18
